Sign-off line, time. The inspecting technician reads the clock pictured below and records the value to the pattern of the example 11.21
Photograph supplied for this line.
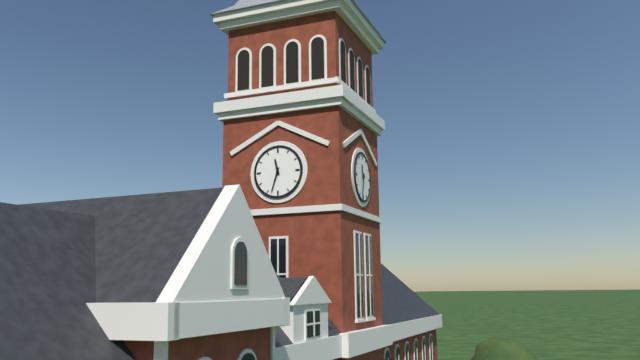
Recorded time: 11.33
